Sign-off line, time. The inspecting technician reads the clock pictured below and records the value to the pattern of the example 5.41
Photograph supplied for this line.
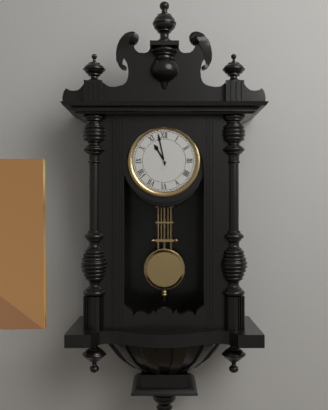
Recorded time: 10.58
